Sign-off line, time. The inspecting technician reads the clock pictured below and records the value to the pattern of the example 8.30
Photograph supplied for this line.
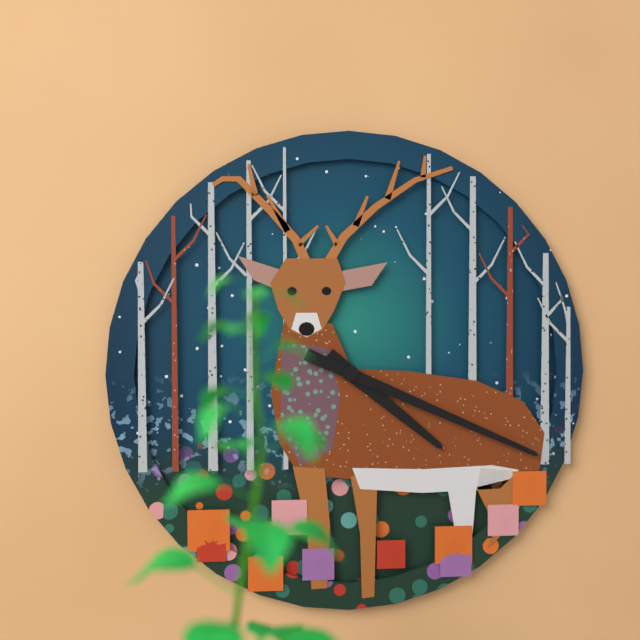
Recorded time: 4.19
